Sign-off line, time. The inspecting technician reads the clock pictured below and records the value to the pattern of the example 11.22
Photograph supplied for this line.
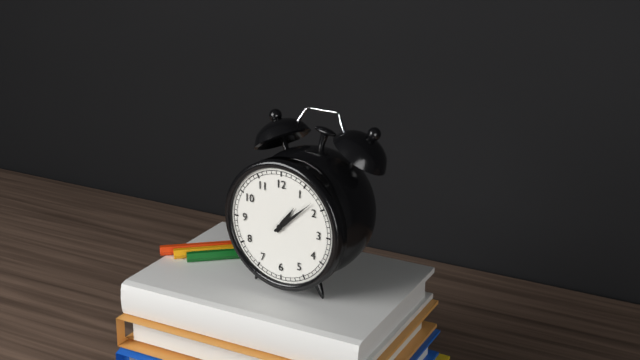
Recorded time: 1.08
